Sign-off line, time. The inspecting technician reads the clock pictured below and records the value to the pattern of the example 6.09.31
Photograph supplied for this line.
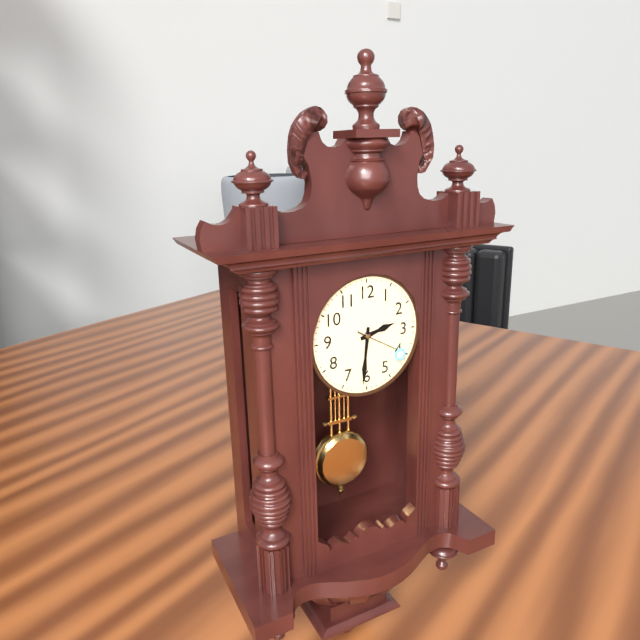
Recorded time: 2.31.20
